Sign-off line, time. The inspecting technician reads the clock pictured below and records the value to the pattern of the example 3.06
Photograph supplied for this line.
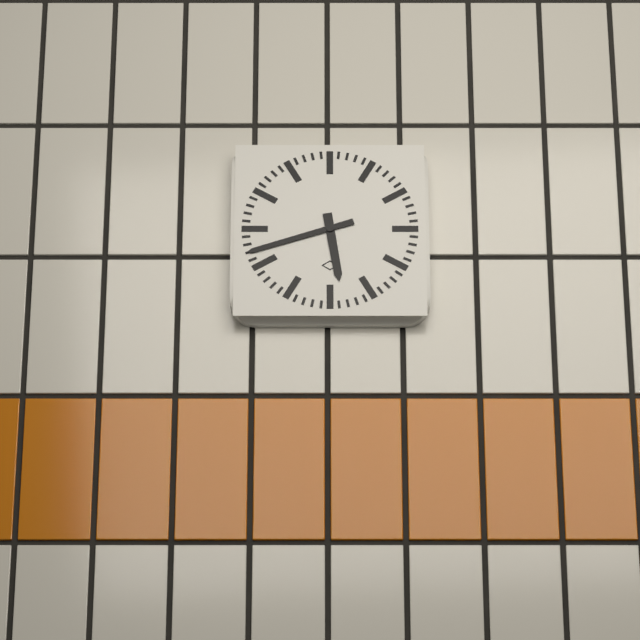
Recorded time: 5.42
